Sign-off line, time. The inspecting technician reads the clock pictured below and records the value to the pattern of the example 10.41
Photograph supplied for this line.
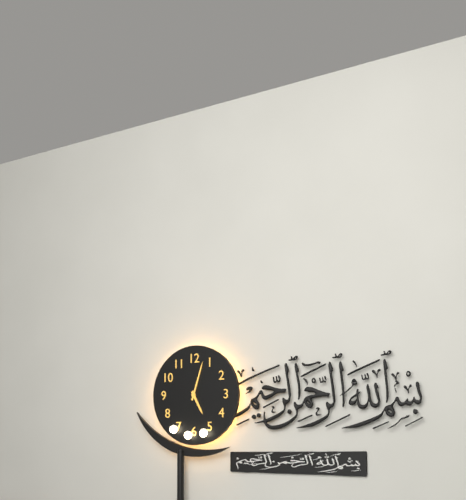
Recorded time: 5.03
